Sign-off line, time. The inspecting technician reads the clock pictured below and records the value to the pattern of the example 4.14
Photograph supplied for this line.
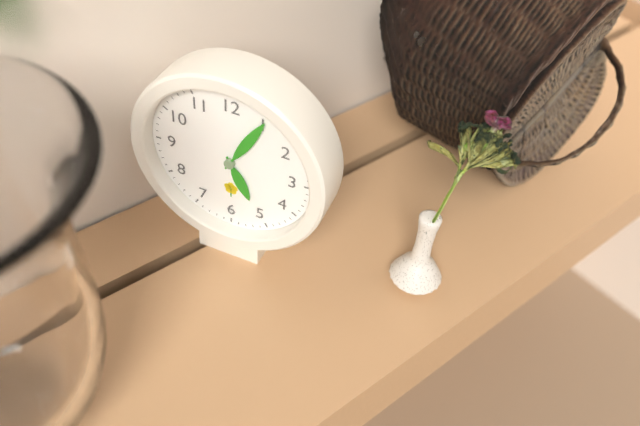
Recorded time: 5.05
